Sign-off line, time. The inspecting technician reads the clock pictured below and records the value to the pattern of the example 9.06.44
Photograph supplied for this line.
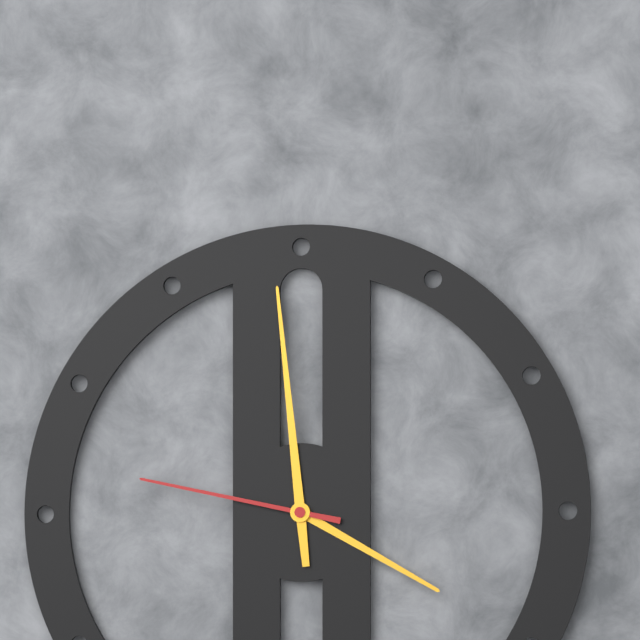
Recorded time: 3.59.47
